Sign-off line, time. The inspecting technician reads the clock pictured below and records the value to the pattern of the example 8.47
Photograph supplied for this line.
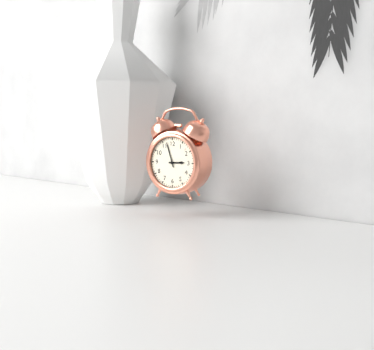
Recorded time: 2.57
